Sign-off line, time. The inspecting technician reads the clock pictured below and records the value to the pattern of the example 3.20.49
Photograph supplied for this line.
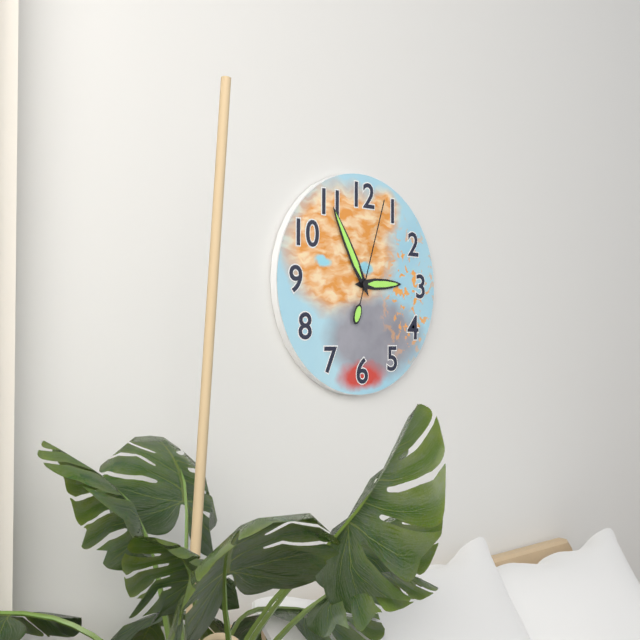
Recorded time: 2.55.03
